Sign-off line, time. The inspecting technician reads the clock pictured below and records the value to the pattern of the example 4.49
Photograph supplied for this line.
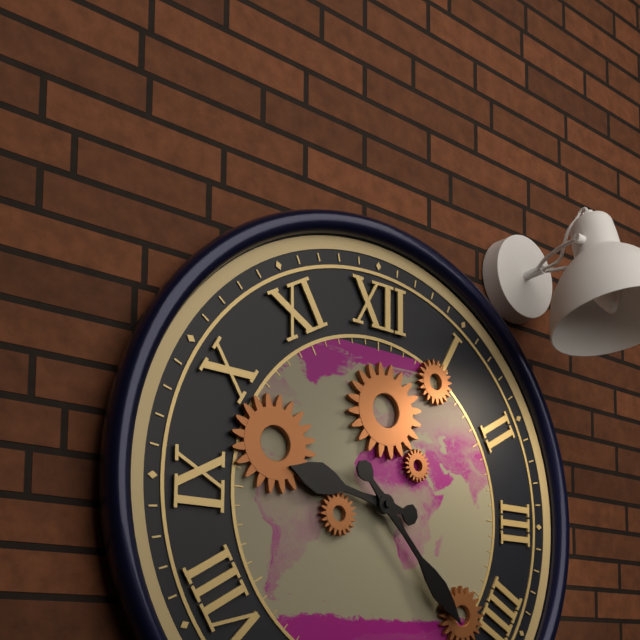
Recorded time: 9.23
